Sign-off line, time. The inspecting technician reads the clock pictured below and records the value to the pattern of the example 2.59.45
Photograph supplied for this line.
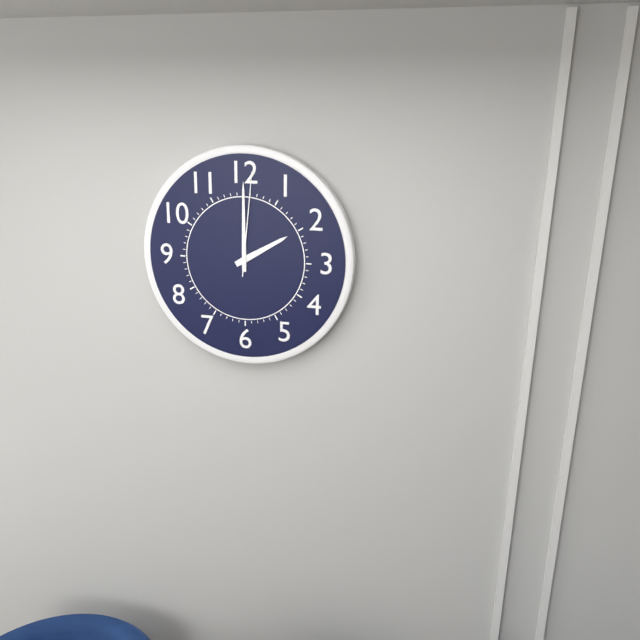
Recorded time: 2.00.01
